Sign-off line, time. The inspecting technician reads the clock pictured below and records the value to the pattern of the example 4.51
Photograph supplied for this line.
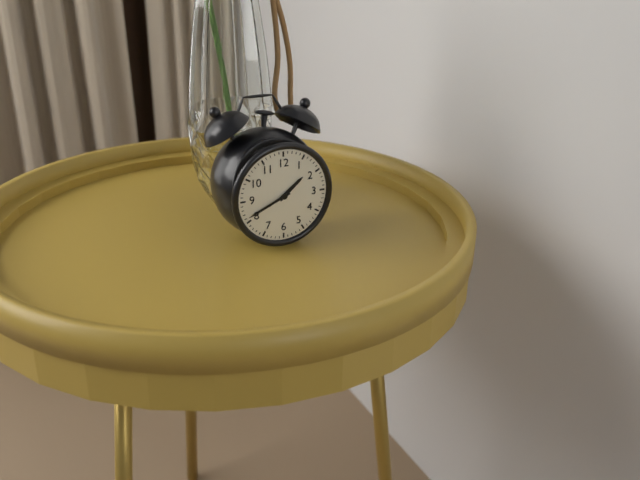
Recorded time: 1.41
